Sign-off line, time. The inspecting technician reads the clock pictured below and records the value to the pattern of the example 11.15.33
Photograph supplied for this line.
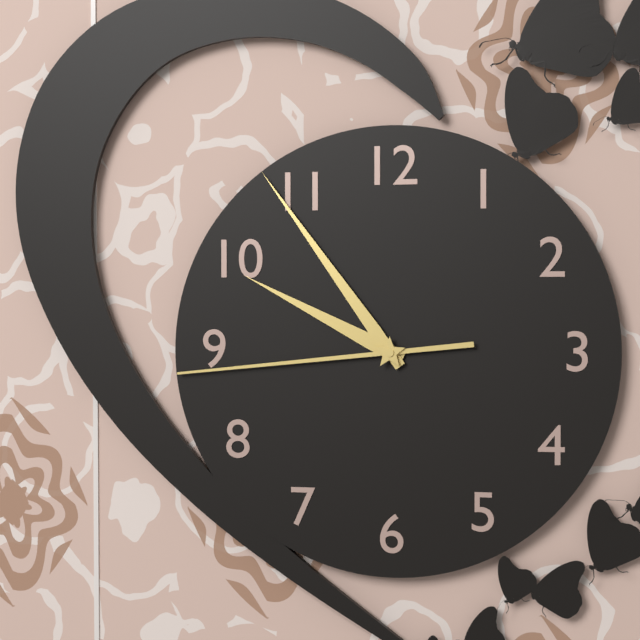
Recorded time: 9.54.44
